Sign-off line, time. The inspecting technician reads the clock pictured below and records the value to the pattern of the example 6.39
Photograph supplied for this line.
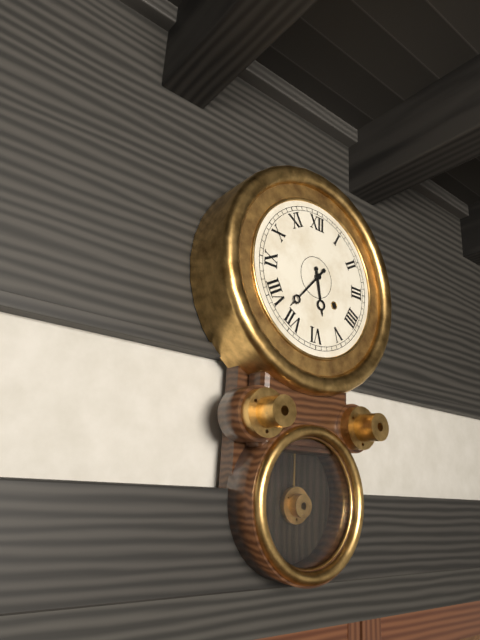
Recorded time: 5.37
